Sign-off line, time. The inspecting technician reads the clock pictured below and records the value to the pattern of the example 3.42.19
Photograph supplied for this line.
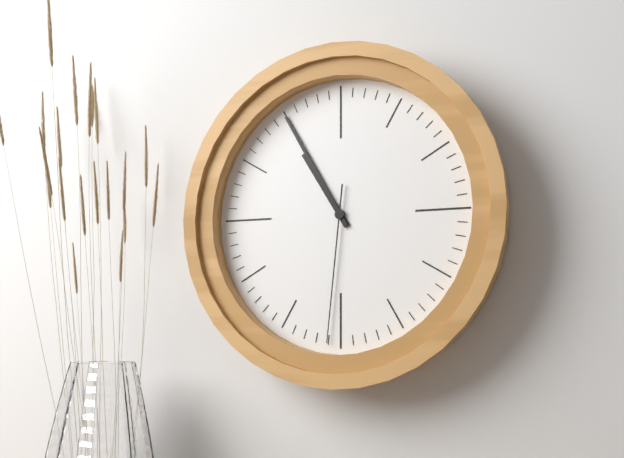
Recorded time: 10.55.31
